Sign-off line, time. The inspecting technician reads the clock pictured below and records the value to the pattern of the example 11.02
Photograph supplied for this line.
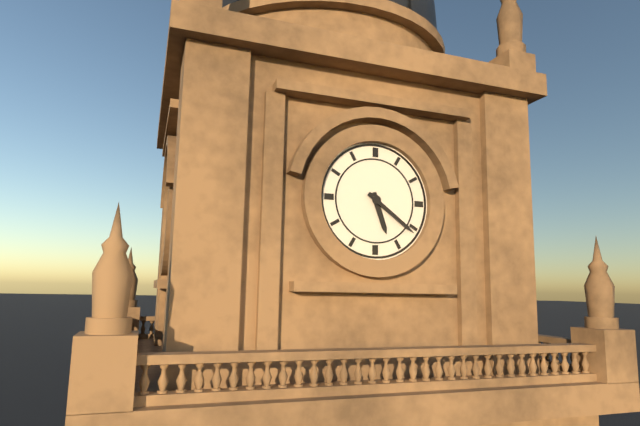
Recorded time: 5.21
